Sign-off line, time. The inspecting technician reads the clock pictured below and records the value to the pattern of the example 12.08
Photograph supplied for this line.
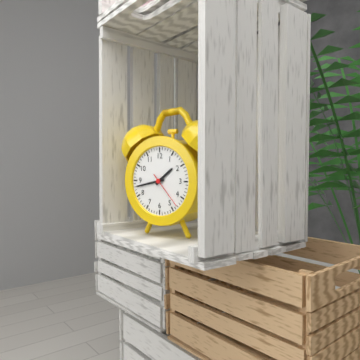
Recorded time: 1.43
